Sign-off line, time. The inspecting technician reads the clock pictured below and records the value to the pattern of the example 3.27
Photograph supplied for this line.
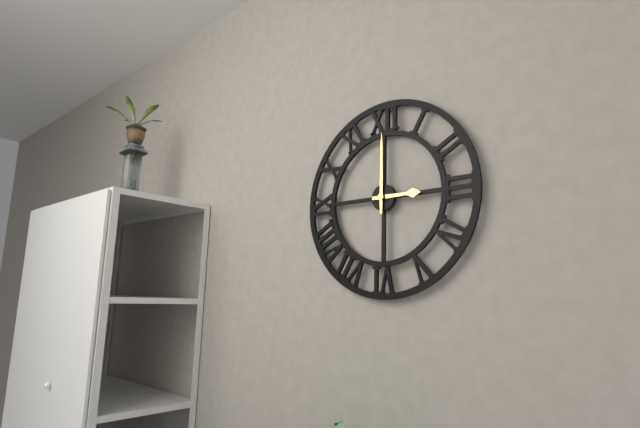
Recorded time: 3.00
